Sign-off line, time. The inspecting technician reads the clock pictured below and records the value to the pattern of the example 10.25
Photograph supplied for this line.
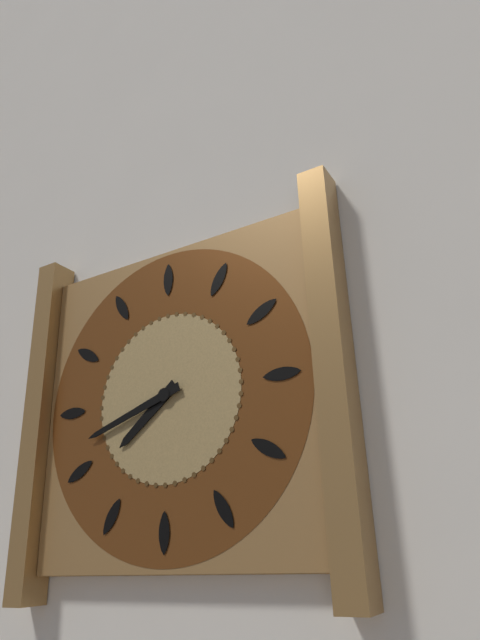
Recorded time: 7.42
